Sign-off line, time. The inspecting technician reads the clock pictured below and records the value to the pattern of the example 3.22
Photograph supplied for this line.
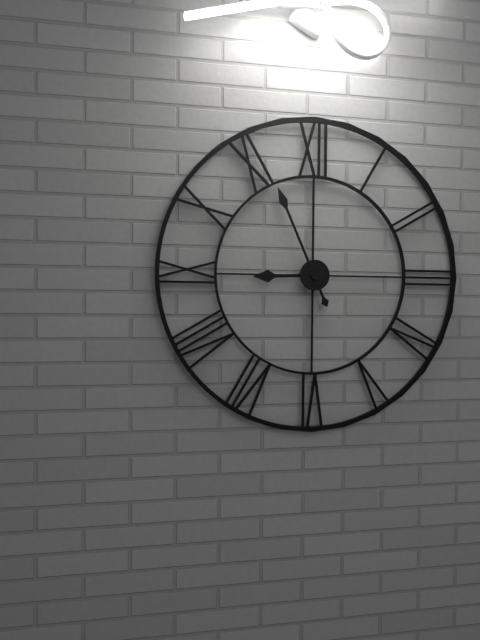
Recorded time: 8.56
